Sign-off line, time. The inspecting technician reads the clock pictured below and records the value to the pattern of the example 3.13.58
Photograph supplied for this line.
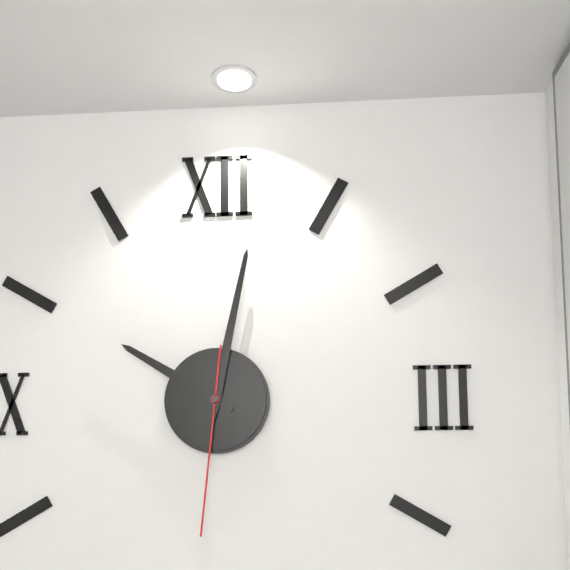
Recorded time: 10.02.31
